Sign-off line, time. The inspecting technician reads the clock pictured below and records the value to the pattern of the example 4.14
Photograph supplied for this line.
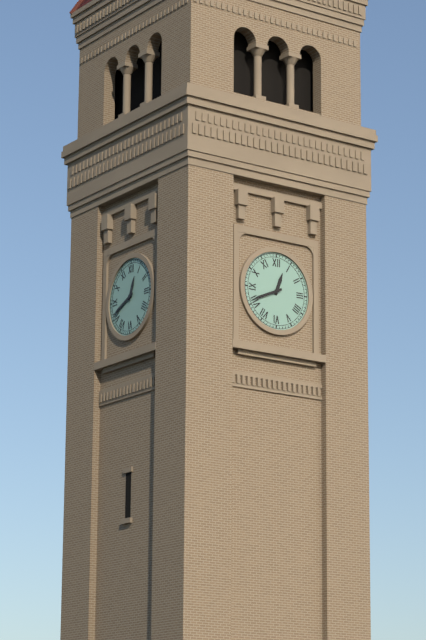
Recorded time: 12.41
